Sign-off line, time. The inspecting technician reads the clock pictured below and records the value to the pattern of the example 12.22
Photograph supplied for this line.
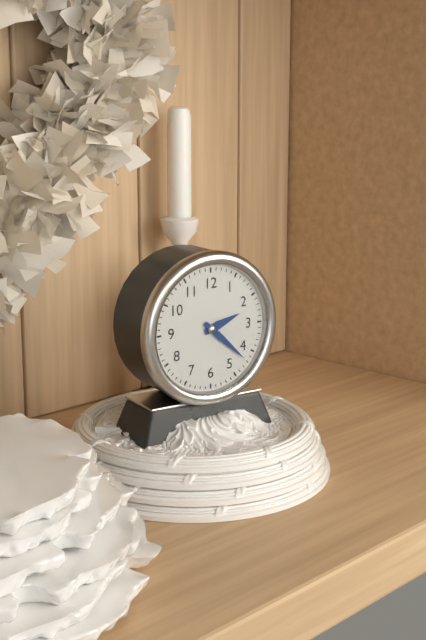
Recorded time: 2.22
